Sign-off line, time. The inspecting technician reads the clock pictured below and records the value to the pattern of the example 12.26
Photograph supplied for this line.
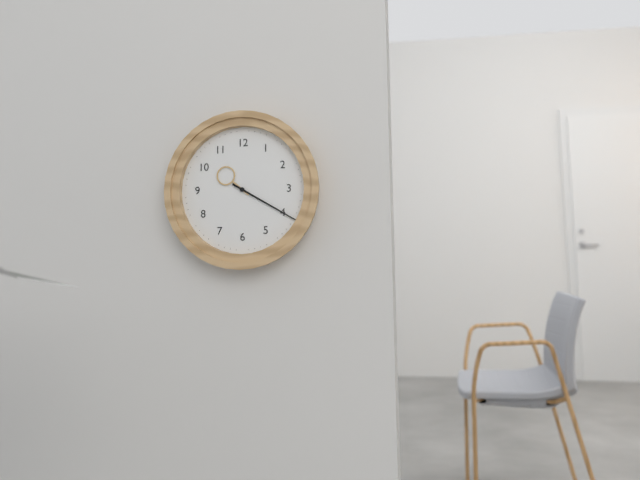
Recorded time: 10.20
